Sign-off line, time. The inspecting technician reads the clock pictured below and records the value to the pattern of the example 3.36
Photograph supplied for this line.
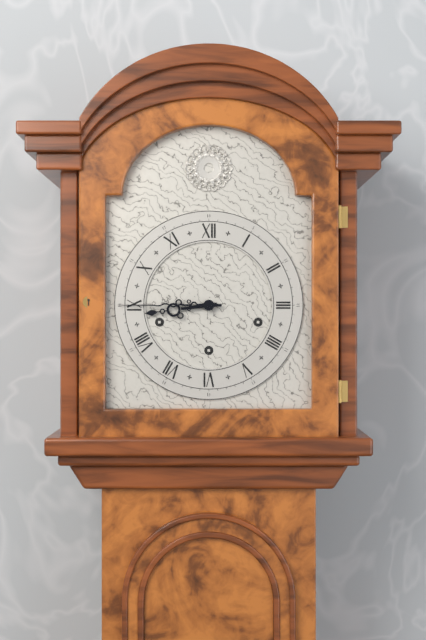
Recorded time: 8.45
